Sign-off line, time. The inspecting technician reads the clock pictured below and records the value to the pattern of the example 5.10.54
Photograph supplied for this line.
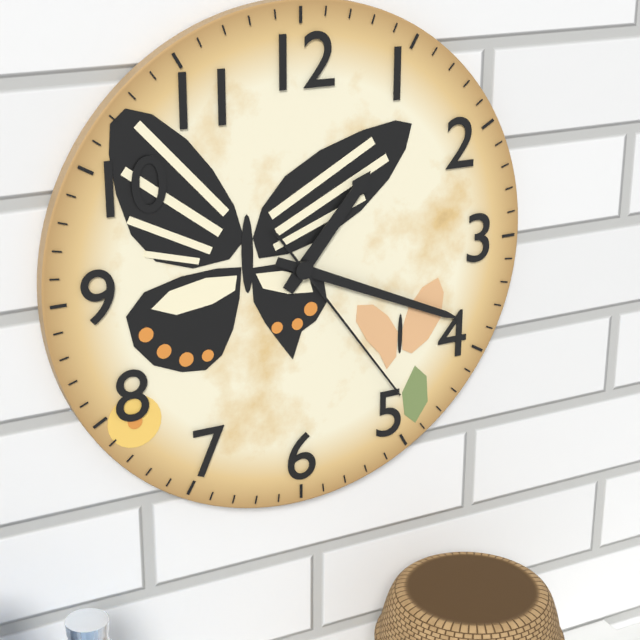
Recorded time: 1.19.24
